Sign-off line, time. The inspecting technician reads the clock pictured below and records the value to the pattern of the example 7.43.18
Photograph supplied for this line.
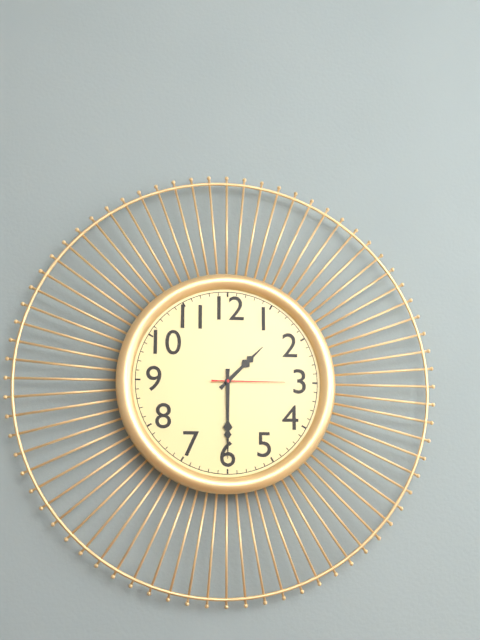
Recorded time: 1.30.15
